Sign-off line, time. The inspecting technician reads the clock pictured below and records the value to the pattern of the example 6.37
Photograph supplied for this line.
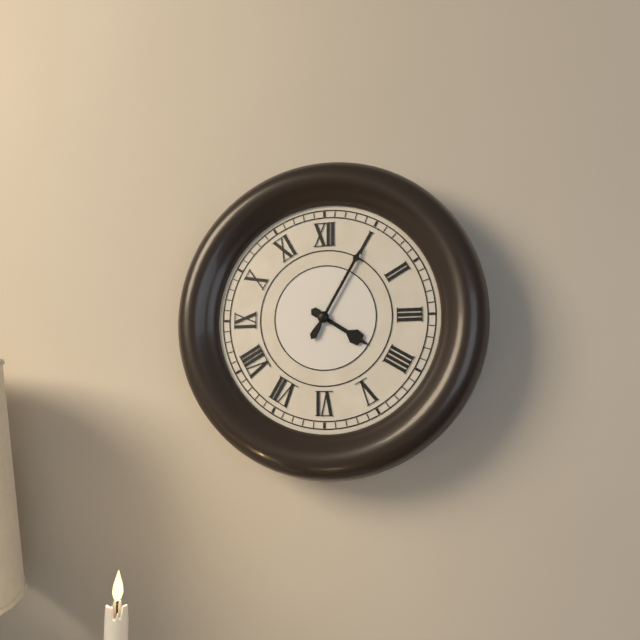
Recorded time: 4.05
